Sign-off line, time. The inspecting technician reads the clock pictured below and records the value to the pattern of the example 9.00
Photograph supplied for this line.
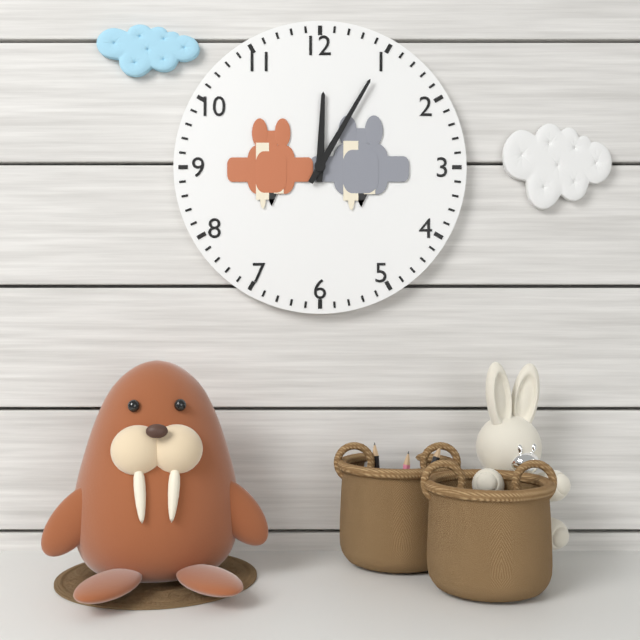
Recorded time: 12.05
